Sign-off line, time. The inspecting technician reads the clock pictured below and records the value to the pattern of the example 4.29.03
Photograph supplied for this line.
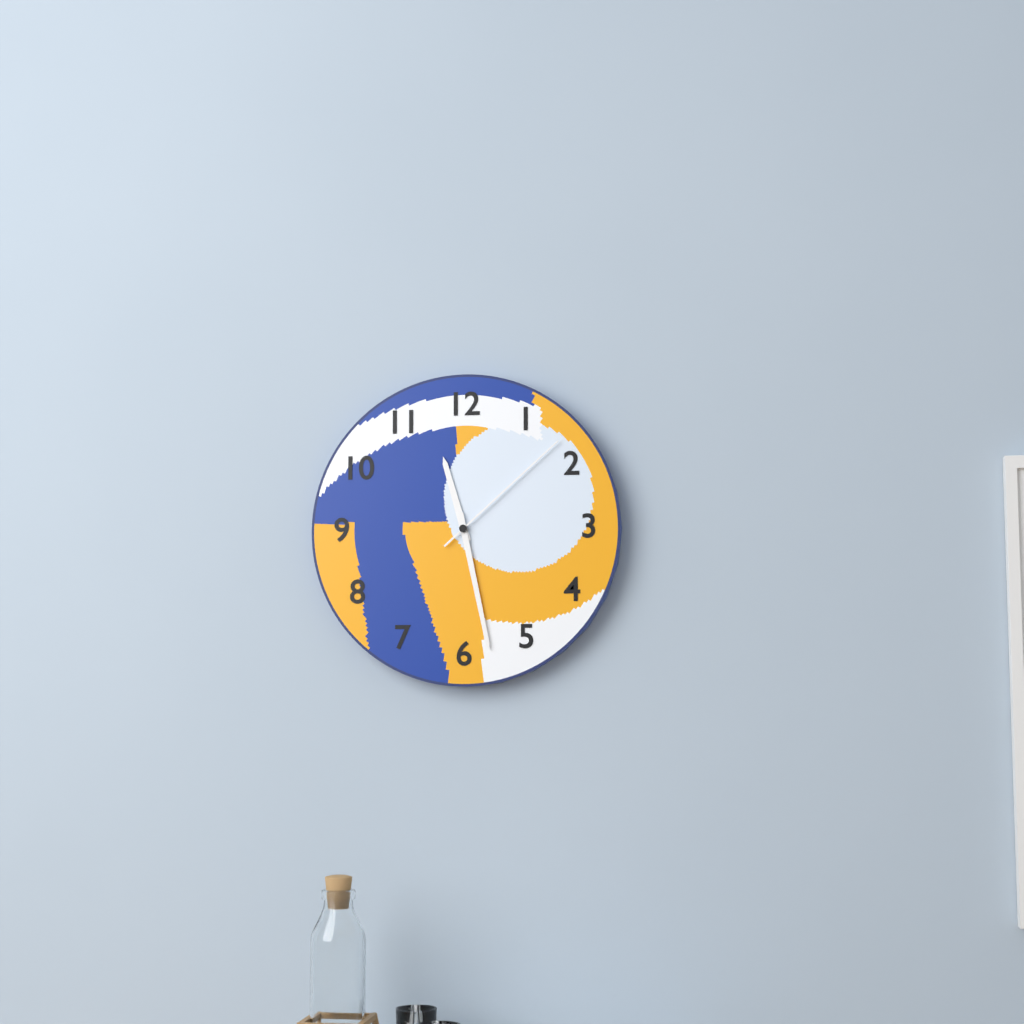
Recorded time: 11.28.08
